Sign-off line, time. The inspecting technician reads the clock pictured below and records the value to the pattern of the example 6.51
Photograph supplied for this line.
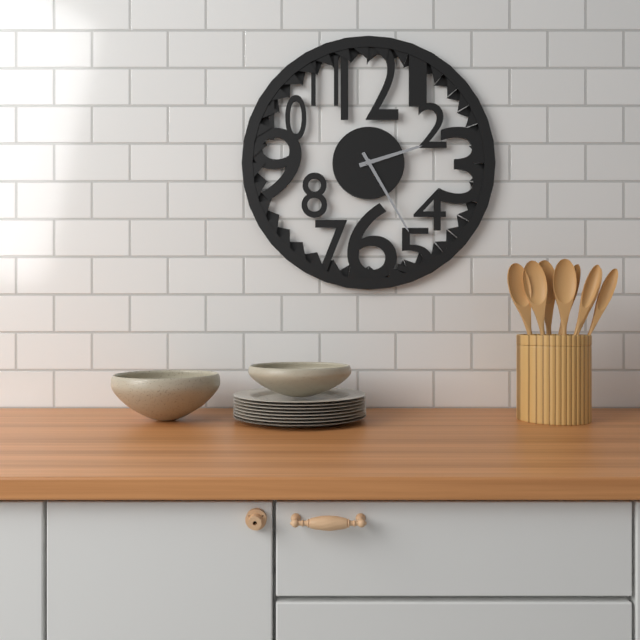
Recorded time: 2.25
